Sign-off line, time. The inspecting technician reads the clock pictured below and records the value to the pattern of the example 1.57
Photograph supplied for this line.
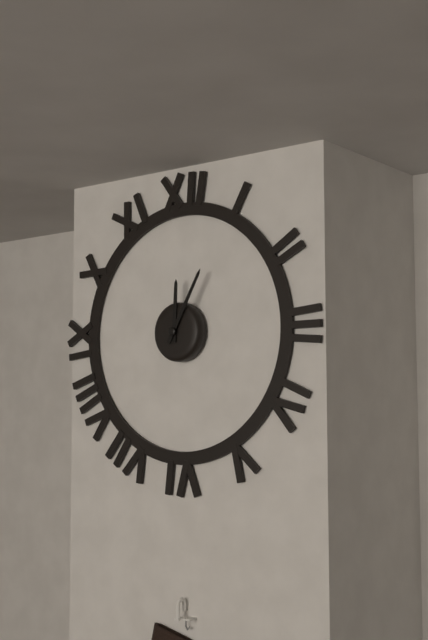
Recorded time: 12.05
